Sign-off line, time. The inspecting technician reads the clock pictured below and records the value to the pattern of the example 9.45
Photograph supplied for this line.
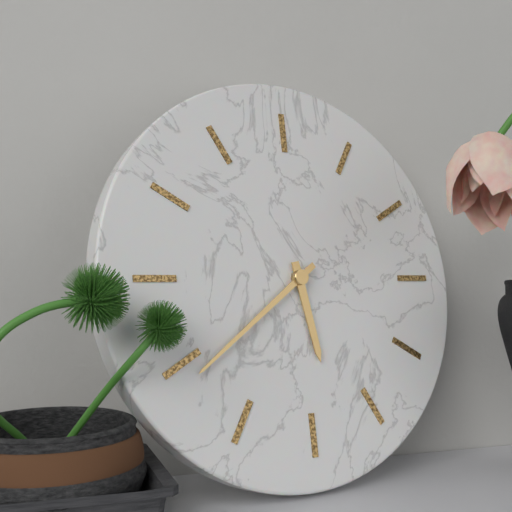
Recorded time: 5.39
